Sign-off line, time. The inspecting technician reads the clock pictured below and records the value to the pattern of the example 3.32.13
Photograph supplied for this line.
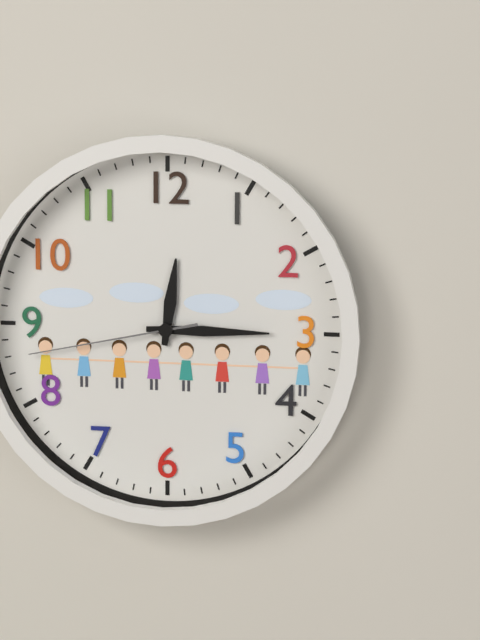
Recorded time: 12.15.43
